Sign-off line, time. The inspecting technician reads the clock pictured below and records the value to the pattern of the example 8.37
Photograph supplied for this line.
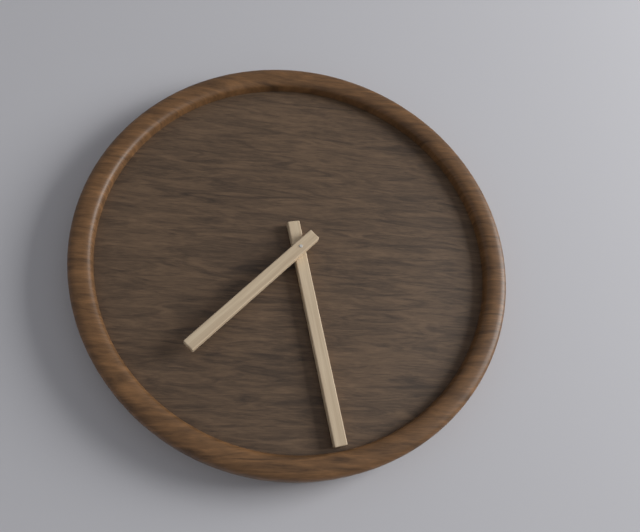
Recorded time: 7.28
